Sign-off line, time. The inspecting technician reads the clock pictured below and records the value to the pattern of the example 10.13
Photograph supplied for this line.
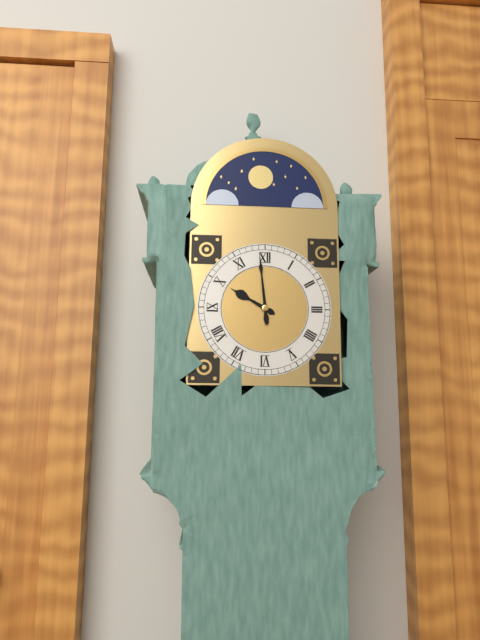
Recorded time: 9.59
